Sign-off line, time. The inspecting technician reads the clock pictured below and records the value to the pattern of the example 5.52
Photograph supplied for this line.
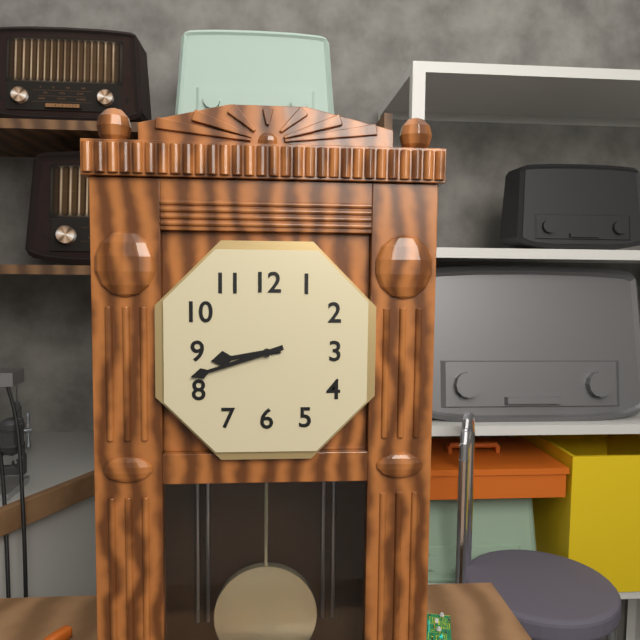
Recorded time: 8.42
